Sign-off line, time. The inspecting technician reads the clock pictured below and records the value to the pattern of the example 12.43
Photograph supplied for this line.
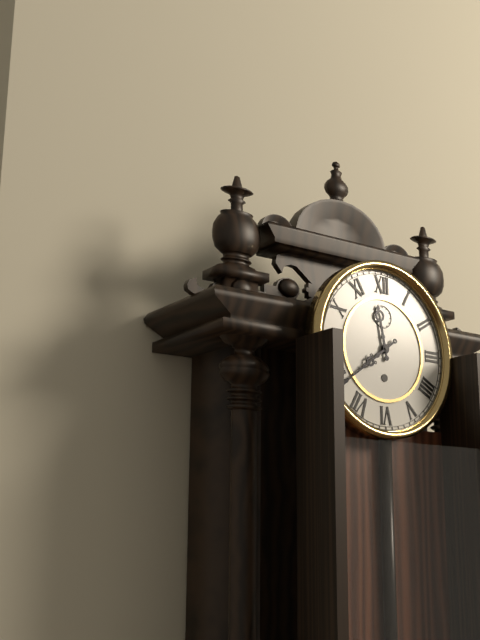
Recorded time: 11.39
